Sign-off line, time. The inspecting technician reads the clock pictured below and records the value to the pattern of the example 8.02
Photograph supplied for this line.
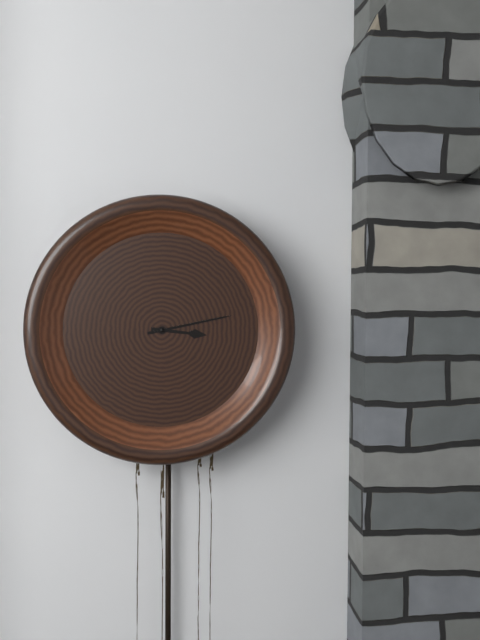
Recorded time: 3.13
